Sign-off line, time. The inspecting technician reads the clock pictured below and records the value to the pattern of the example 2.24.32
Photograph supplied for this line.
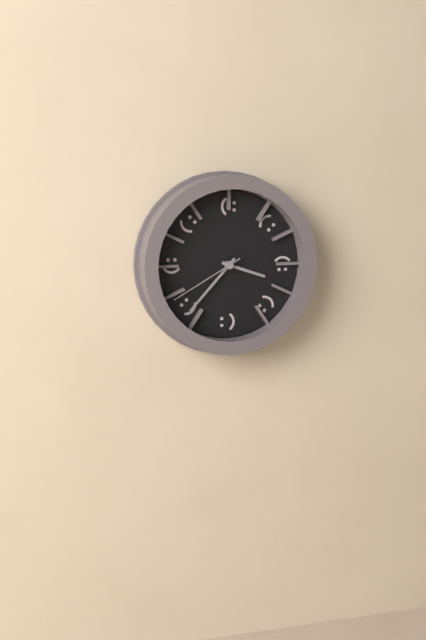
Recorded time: 3.37.40
